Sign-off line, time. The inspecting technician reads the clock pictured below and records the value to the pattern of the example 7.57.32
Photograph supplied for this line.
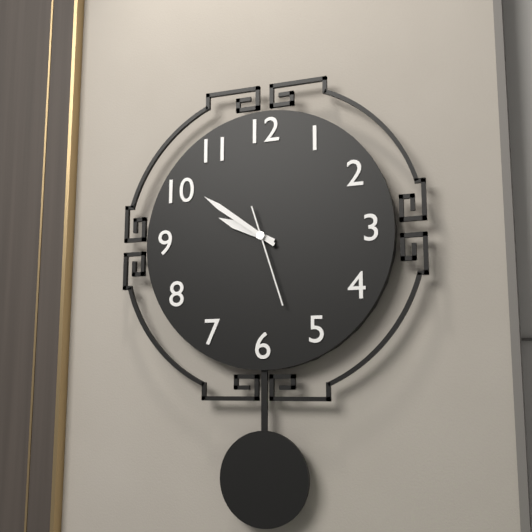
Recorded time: 9.51.27
